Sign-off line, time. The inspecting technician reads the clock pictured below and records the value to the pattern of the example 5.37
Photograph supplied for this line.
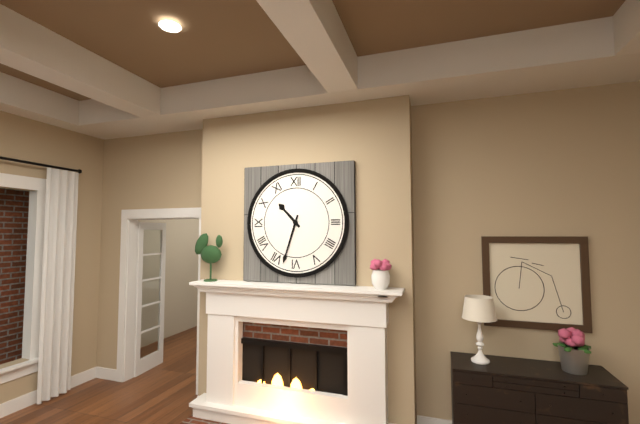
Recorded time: 10.33
